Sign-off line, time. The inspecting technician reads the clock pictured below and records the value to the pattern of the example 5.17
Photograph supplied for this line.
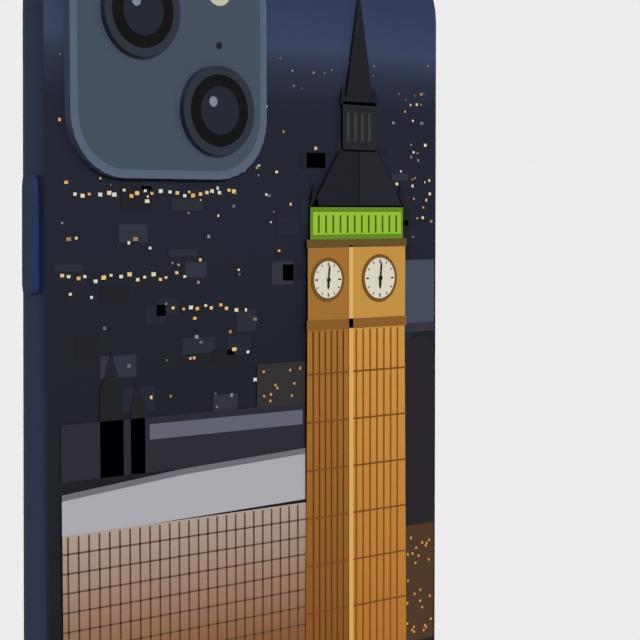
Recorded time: 6.01
